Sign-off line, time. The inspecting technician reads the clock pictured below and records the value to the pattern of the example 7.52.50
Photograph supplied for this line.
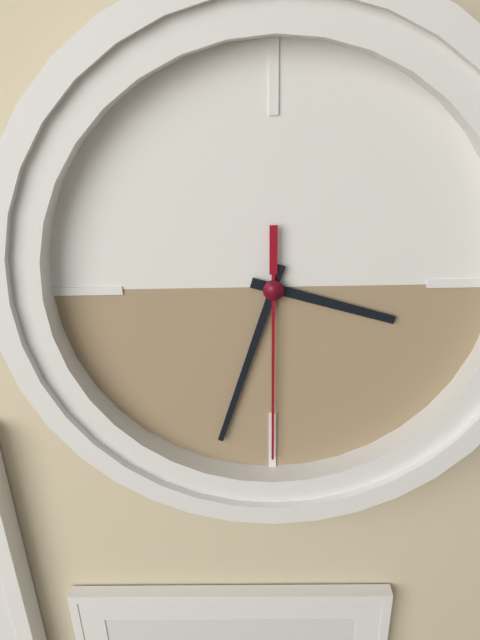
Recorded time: 3.33.30
